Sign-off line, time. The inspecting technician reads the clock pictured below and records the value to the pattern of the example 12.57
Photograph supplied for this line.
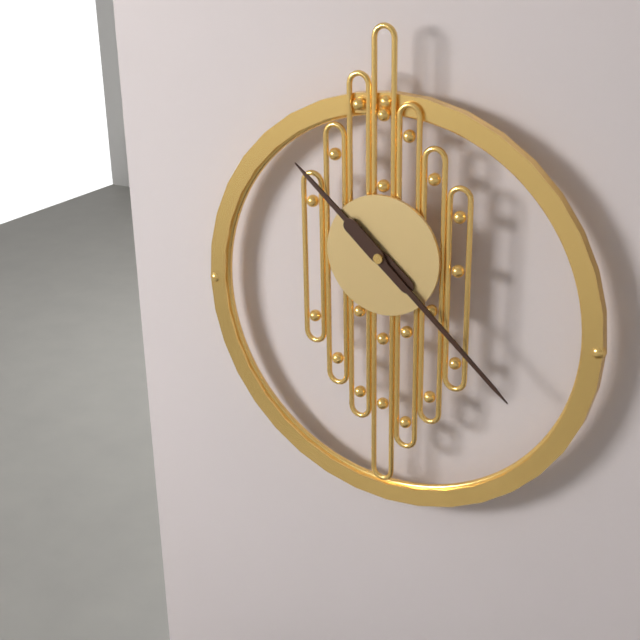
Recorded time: 10.22
